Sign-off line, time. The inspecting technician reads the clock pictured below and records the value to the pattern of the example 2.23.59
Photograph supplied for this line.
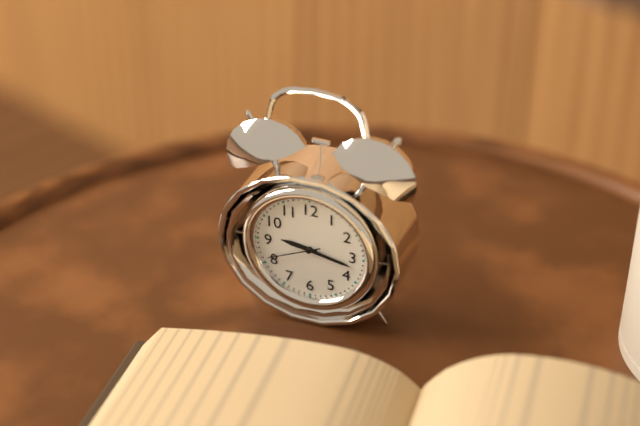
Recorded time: 9.17.41
